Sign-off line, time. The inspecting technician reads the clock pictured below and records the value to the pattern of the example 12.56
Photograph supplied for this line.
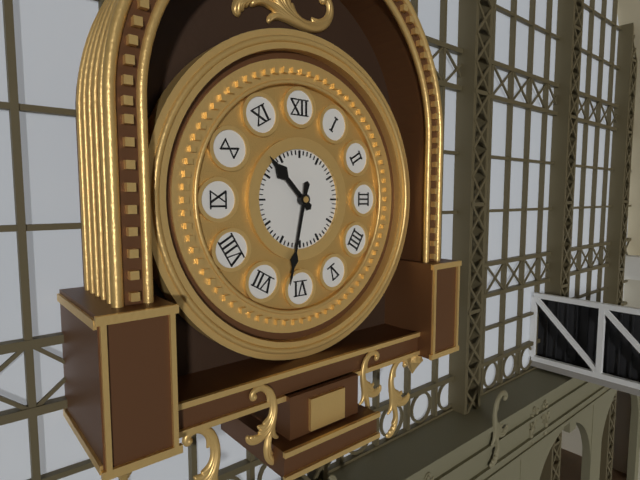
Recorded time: 10.32
